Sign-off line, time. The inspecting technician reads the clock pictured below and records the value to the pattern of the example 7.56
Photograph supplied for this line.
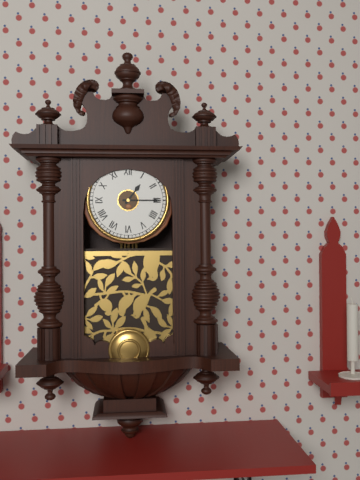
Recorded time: 1.15
